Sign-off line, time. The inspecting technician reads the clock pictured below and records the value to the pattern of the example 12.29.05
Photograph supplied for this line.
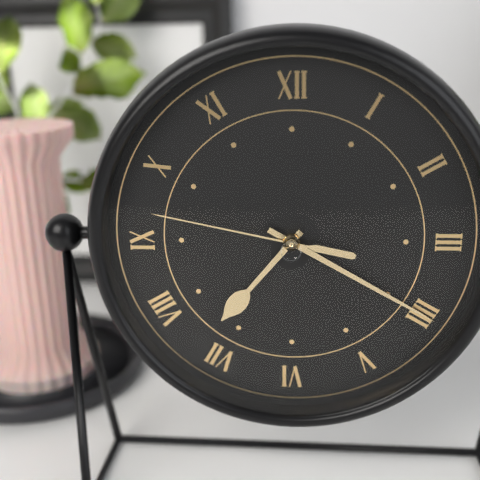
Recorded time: 7.20.47
